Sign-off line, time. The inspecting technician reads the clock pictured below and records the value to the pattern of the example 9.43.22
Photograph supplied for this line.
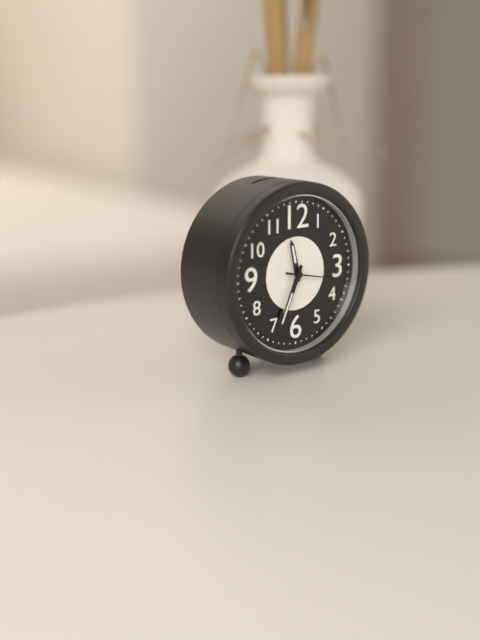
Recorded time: 11.34.17
